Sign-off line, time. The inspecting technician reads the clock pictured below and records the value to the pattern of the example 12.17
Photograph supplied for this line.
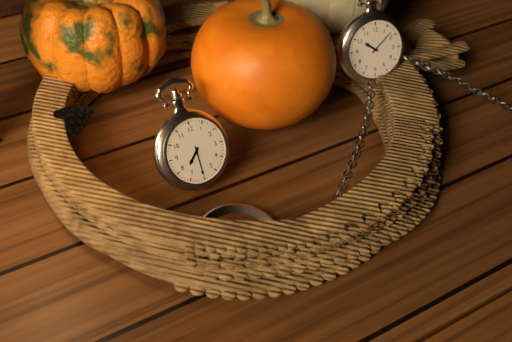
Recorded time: 7.30
